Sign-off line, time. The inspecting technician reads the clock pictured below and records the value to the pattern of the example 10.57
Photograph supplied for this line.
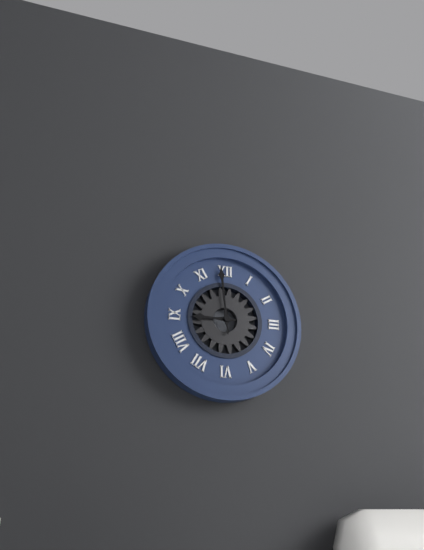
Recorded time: 8.59
